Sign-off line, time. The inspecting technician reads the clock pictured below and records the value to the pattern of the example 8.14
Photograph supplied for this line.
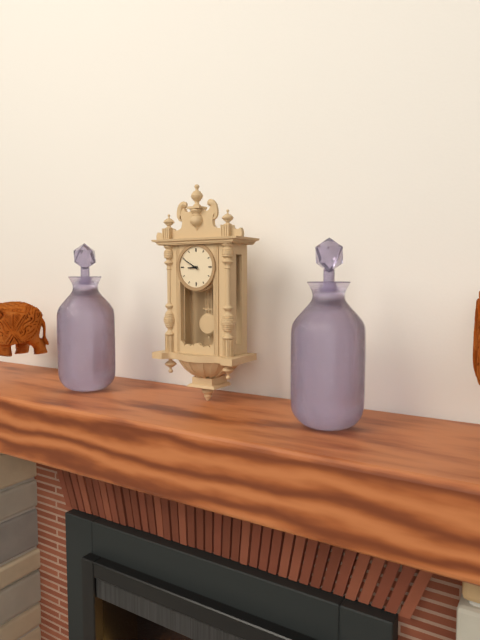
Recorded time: 8.50
